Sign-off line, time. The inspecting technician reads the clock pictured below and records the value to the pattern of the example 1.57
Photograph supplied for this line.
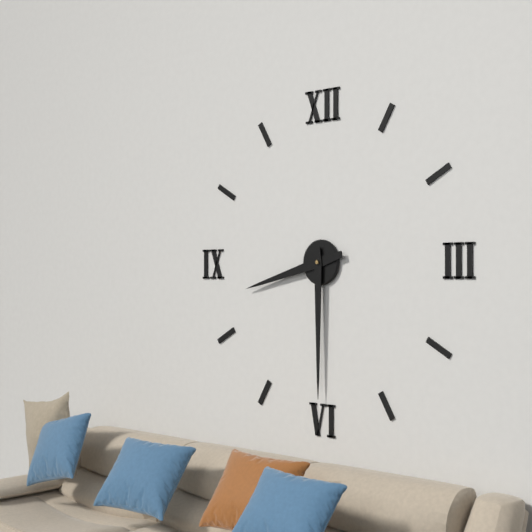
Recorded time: 8.30
